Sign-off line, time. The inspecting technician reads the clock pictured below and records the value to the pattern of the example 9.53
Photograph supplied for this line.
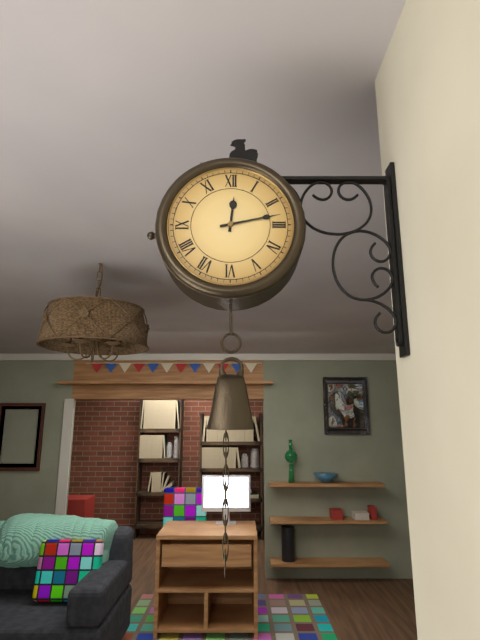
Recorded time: 12.13
